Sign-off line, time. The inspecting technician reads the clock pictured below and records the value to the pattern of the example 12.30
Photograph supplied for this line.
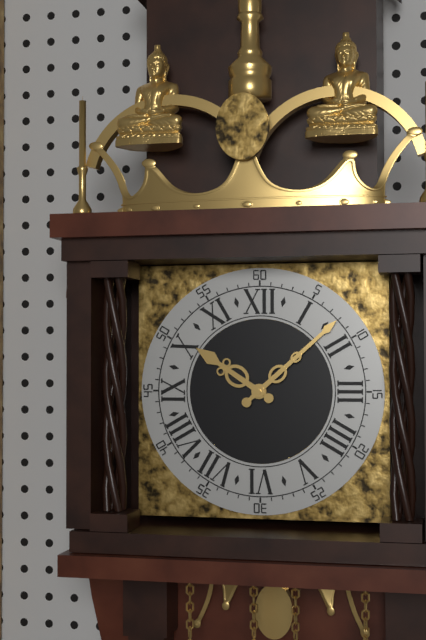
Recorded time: 10.08
